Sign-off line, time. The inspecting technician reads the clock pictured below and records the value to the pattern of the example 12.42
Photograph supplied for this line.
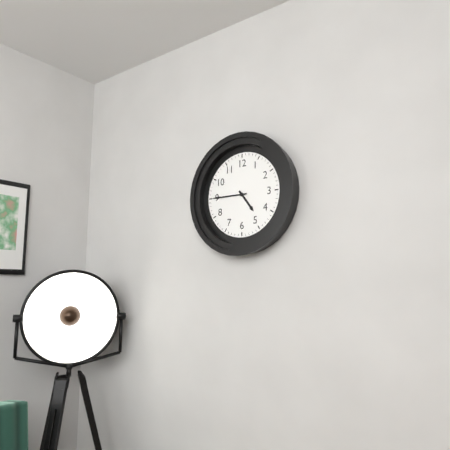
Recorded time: 4.45
